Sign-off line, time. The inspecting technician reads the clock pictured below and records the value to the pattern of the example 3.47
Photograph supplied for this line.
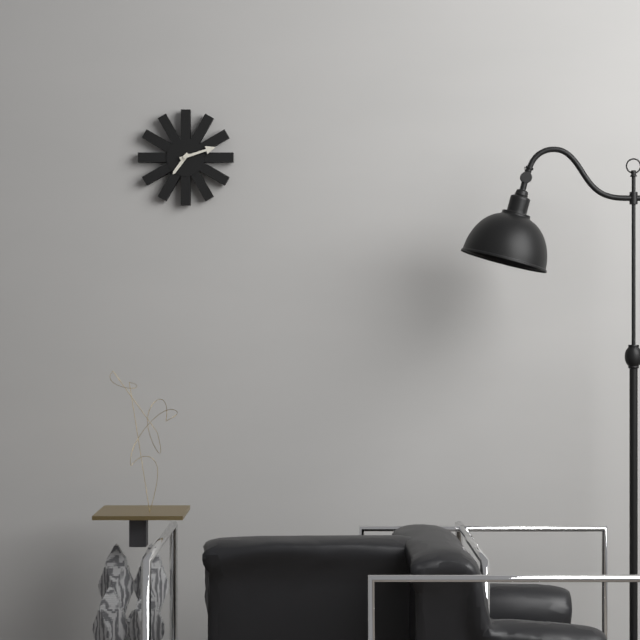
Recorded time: 7.12
